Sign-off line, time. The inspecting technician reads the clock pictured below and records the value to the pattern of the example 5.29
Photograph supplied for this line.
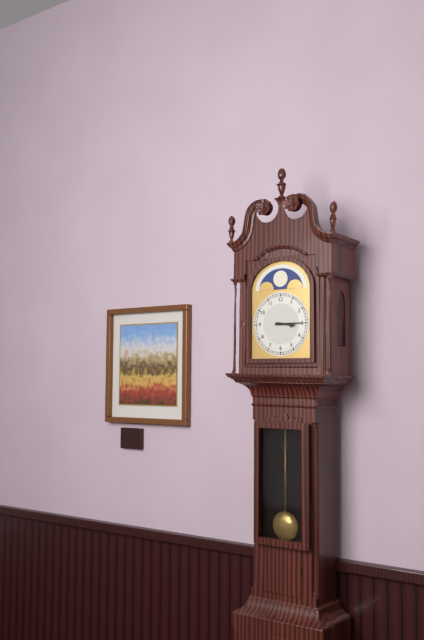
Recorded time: 3.15
